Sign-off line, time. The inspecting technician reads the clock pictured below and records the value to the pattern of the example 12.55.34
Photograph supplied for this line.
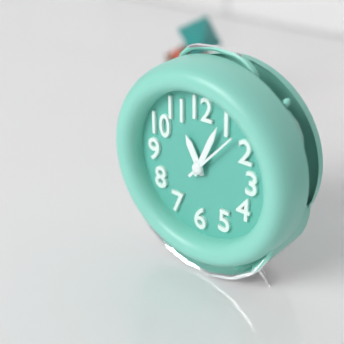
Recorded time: 11.04.07
